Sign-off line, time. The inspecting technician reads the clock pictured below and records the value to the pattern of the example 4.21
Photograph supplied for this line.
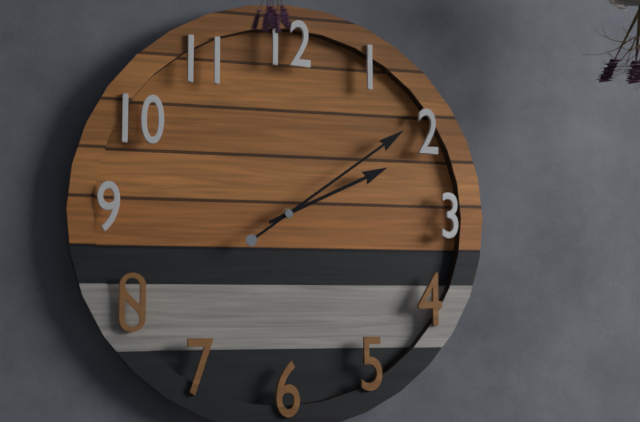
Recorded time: 2.09
